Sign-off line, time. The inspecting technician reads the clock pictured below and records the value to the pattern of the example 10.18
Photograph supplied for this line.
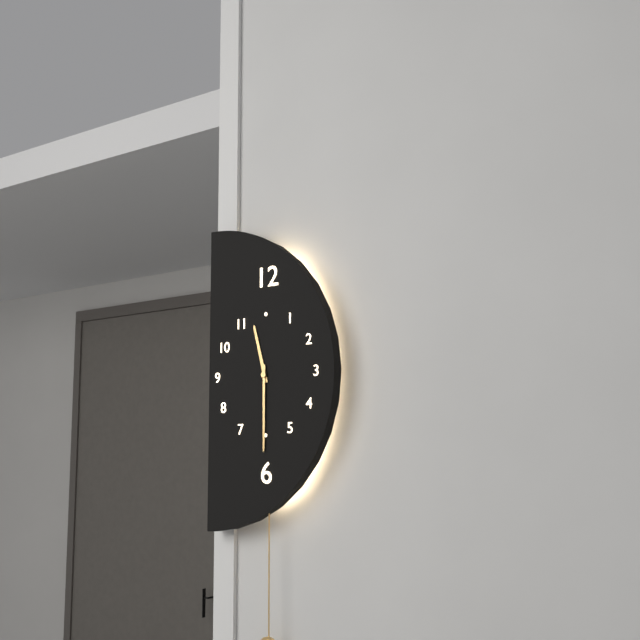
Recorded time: 11.30
